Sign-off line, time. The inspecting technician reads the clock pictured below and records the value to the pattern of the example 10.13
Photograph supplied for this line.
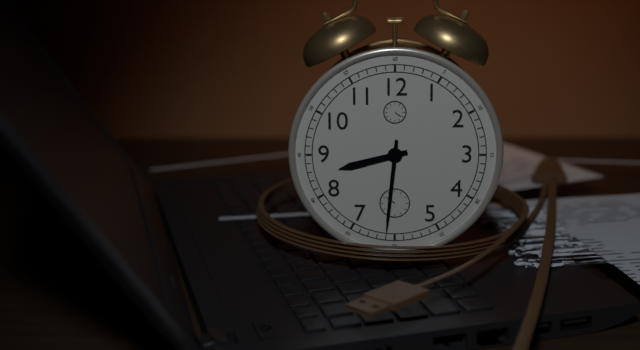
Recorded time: 8.31
